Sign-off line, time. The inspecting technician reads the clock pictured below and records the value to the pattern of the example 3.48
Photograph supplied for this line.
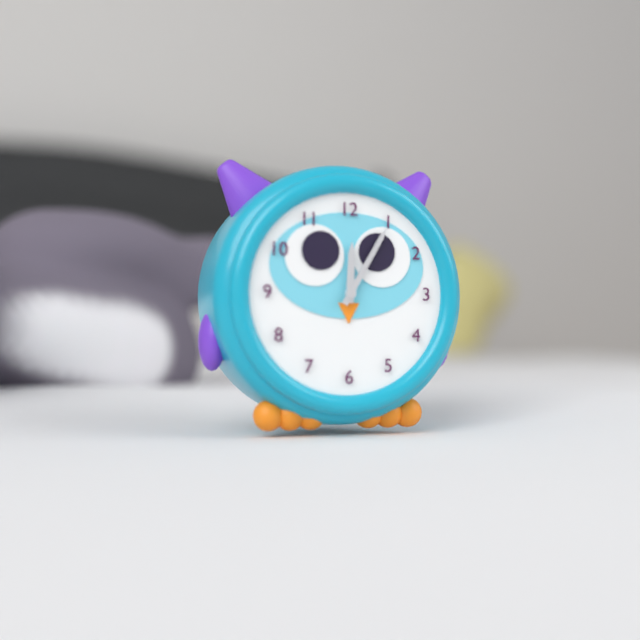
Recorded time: 12.05
